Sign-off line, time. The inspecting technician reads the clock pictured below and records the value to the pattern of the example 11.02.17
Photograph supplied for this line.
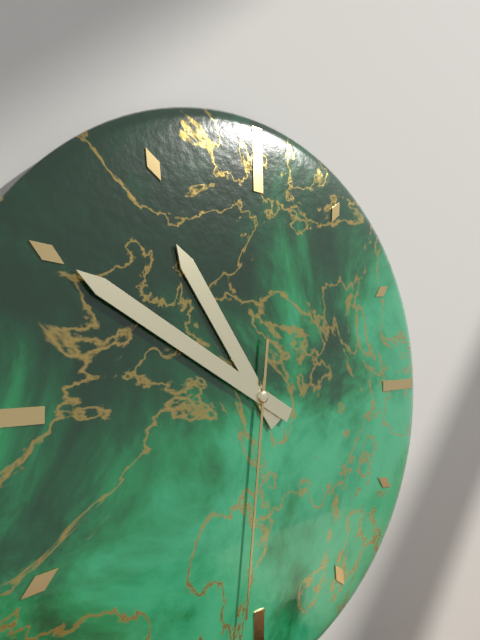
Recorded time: 10.50.31
